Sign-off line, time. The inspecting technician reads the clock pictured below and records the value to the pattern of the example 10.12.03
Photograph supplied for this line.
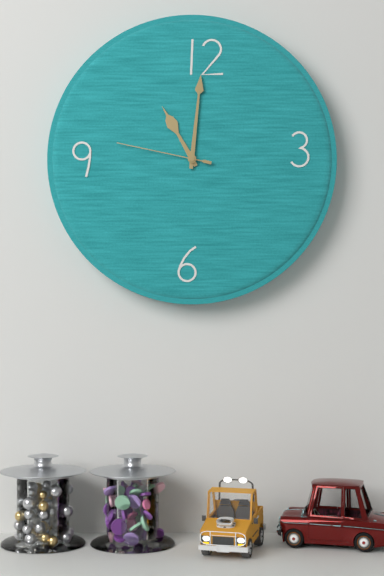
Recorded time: 11.01.47
